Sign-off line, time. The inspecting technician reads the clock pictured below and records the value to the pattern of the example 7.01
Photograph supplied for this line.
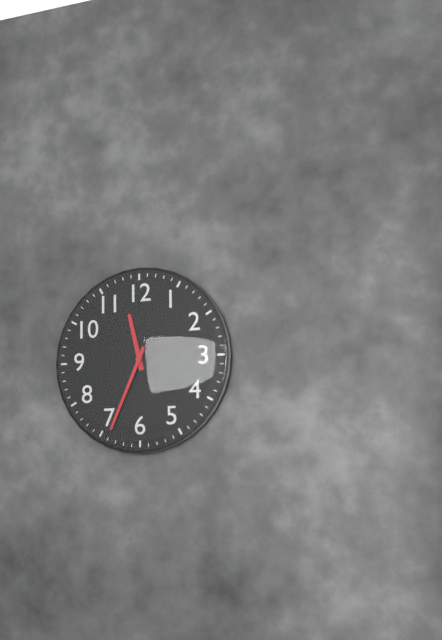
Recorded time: 11.34
